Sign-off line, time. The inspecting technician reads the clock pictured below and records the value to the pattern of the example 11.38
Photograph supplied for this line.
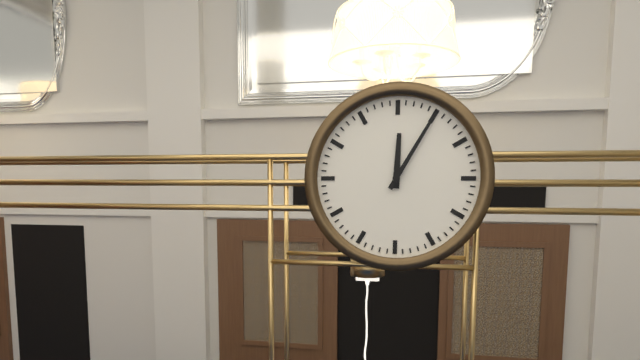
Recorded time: 12.05
